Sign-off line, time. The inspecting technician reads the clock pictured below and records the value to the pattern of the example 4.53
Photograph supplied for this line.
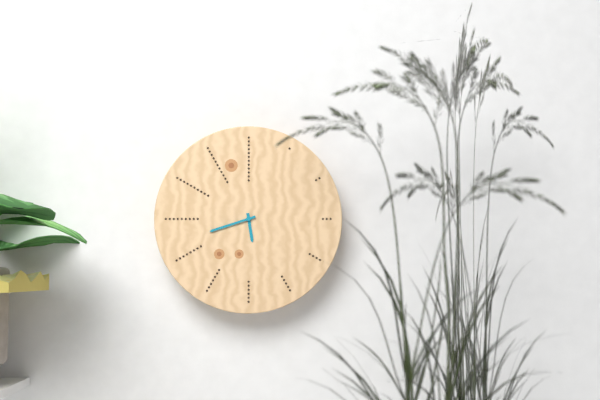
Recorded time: 5.42
